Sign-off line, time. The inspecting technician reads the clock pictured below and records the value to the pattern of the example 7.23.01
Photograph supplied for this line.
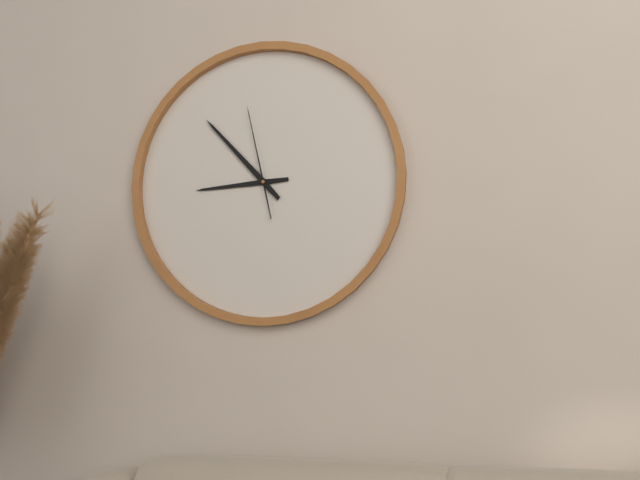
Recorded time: 8.53.58
